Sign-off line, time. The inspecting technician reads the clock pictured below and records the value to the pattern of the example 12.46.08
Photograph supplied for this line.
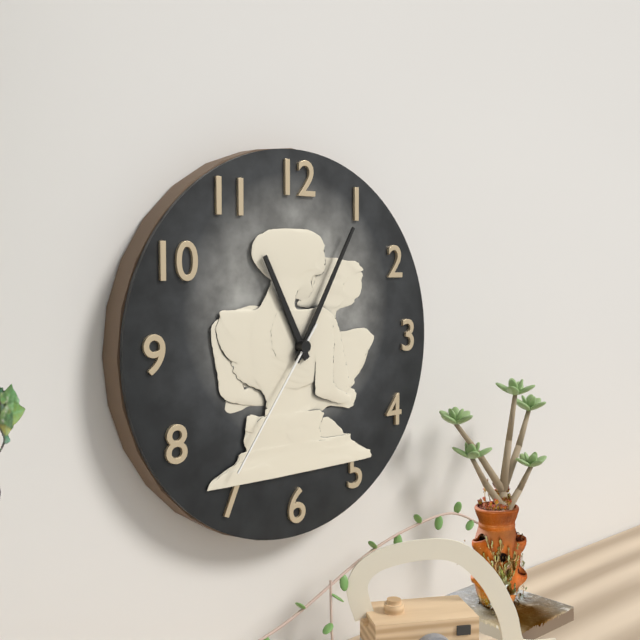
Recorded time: 11.05.36
